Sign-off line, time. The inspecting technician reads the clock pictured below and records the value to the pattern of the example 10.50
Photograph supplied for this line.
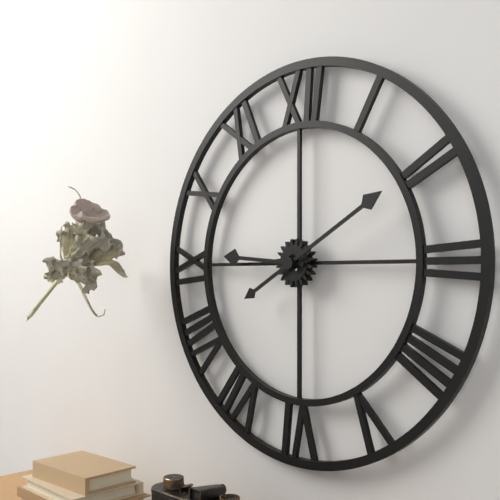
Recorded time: 9.10
